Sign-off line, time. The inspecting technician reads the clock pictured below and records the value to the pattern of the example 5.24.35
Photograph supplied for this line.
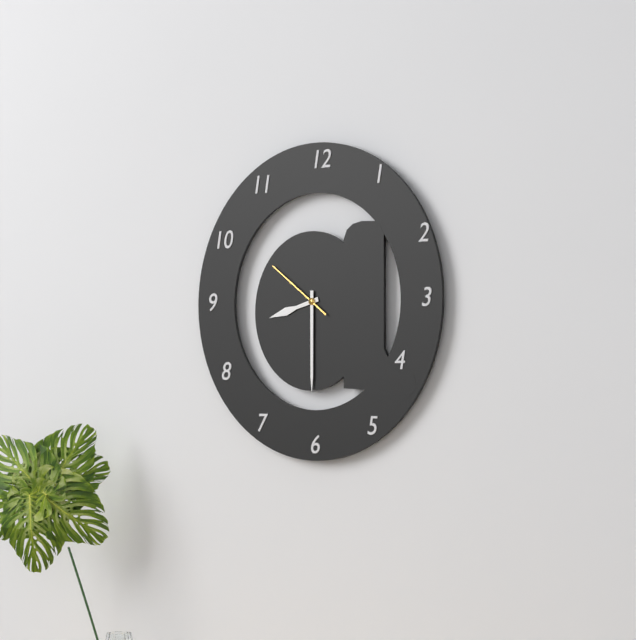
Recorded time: 8.30.51
